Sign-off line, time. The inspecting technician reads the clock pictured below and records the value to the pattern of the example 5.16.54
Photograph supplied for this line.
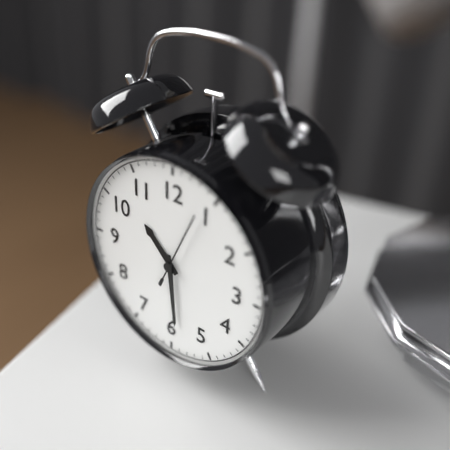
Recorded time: 10.29.04
